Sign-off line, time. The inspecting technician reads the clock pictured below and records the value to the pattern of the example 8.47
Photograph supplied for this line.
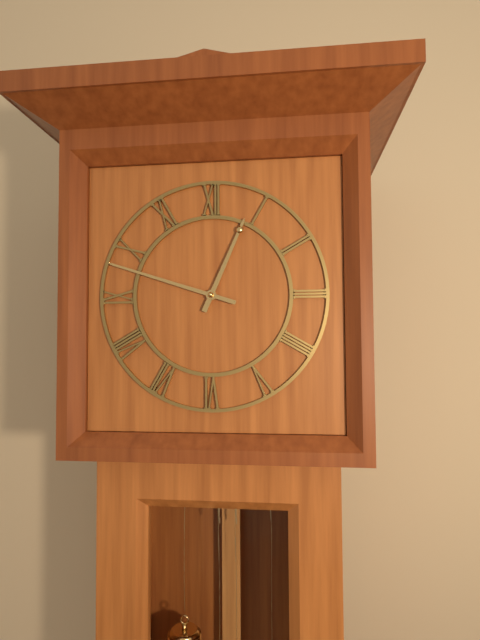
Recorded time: 12.48
